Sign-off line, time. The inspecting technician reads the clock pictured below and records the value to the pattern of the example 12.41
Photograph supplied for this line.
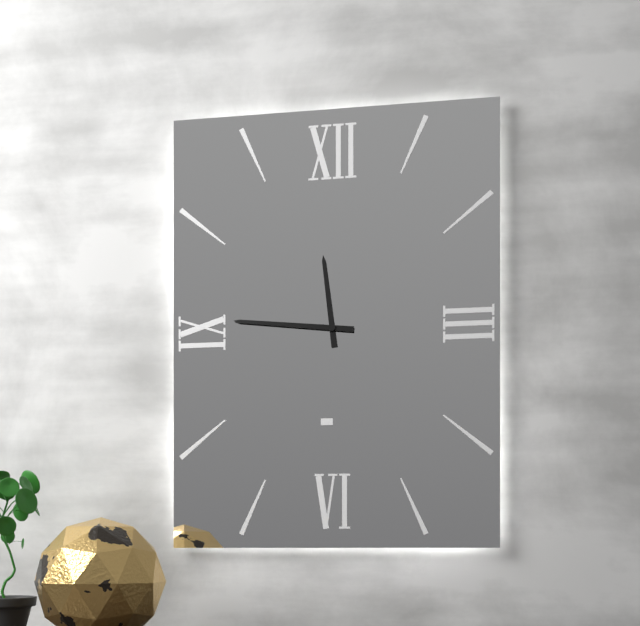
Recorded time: 11.46
